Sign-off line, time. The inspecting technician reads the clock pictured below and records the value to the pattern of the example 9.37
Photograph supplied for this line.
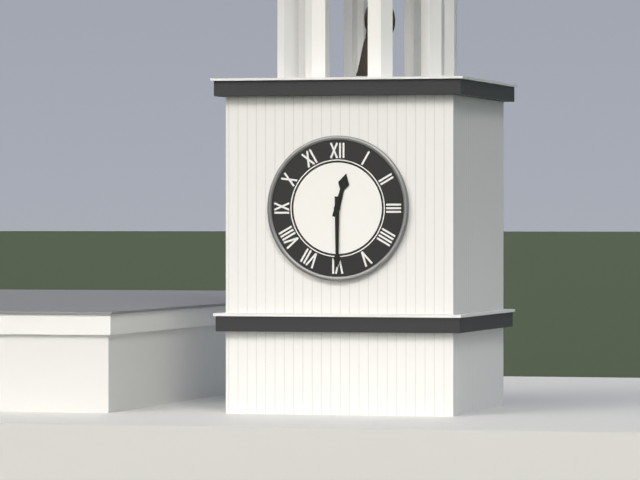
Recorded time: 12.30
